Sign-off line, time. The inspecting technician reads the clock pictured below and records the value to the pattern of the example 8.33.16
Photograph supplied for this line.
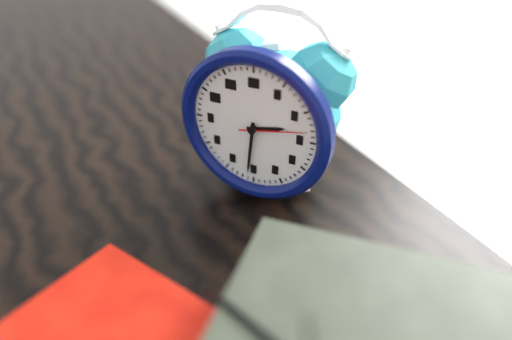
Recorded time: 2.31.13
